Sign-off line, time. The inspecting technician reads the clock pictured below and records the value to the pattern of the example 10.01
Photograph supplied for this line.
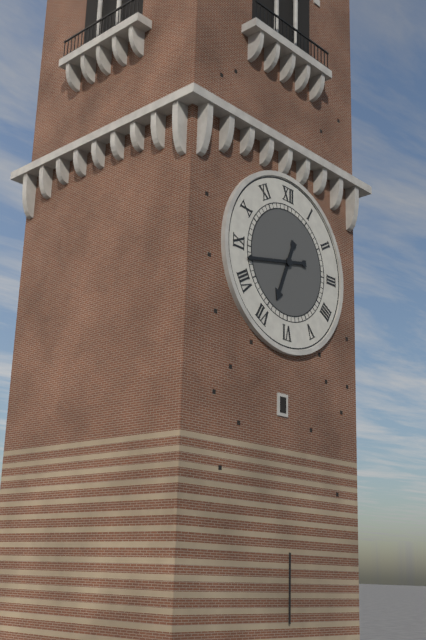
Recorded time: 6.43
